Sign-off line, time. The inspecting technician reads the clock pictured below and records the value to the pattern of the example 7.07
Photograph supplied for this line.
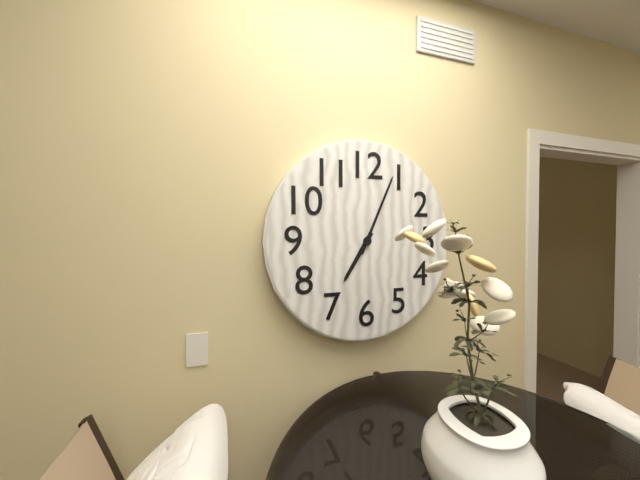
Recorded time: 7.04
